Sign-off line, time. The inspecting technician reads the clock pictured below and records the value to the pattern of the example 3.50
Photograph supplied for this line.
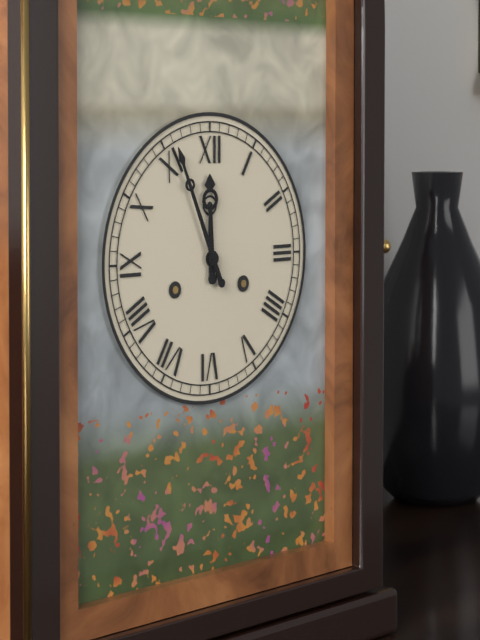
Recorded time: 11.56
